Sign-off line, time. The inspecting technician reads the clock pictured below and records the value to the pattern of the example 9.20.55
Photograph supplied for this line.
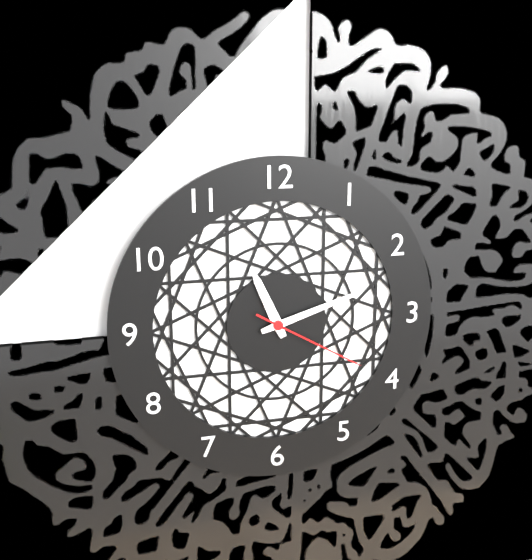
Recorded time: 11.12.20
